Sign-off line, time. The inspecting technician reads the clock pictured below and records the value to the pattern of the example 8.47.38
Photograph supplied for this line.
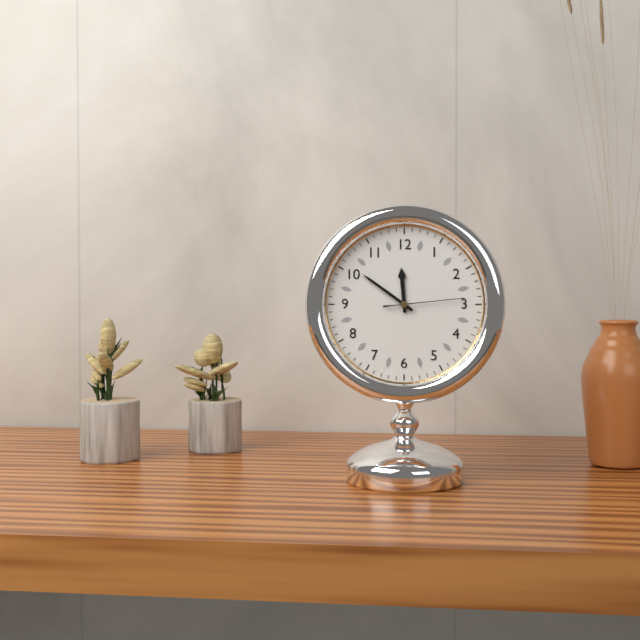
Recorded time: 11.51.14
